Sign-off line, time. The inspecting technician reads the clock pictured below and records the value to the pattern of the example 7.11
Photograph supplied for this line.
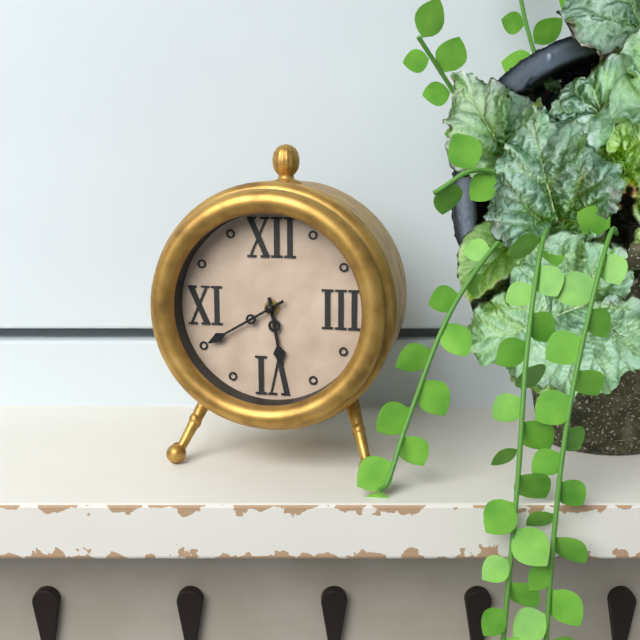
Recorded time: 5.40
